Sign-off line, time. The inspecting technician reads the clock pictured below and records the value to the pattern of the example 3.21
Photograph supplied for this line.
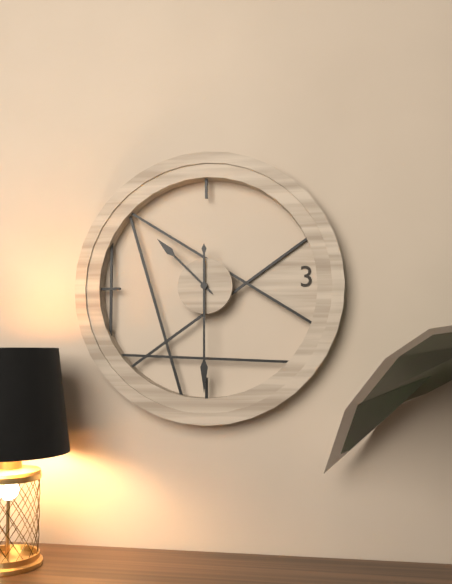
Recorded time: 10.30
